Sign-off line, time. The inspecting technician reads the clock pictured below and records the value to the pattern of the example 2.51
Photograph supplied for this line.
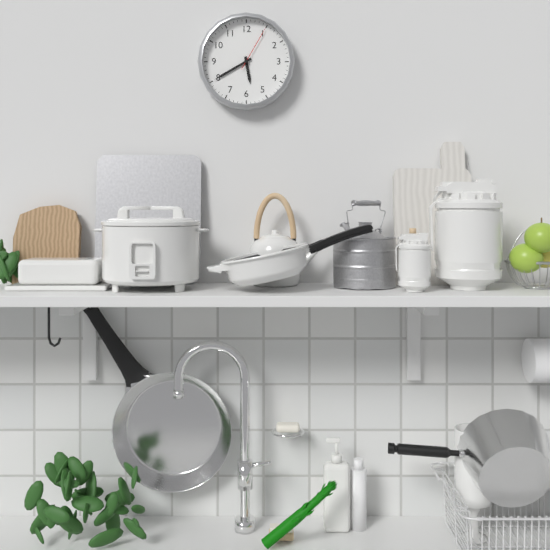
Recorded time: 5.40
